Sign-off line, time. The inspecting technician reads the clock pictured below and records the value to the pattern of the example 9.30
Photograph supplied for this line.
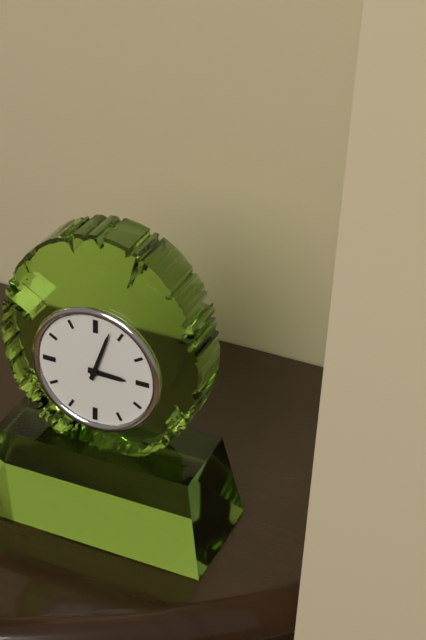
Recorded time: 3.03
